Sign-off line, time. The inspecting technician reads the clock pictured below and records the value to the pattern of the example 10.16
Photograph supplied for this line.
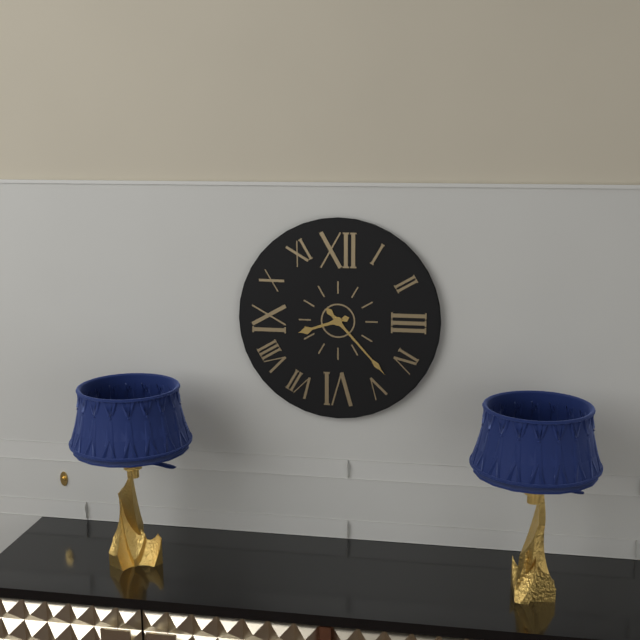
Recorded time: 8.23
